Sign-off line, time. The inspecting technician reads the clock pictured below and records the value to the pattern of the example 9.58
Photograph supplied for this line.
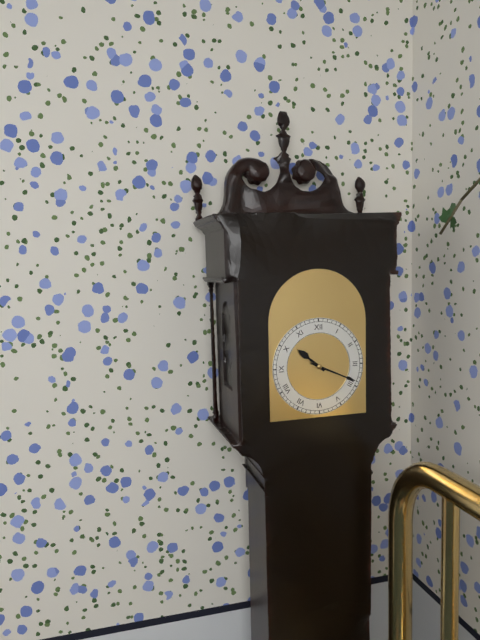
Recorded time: 10.19
